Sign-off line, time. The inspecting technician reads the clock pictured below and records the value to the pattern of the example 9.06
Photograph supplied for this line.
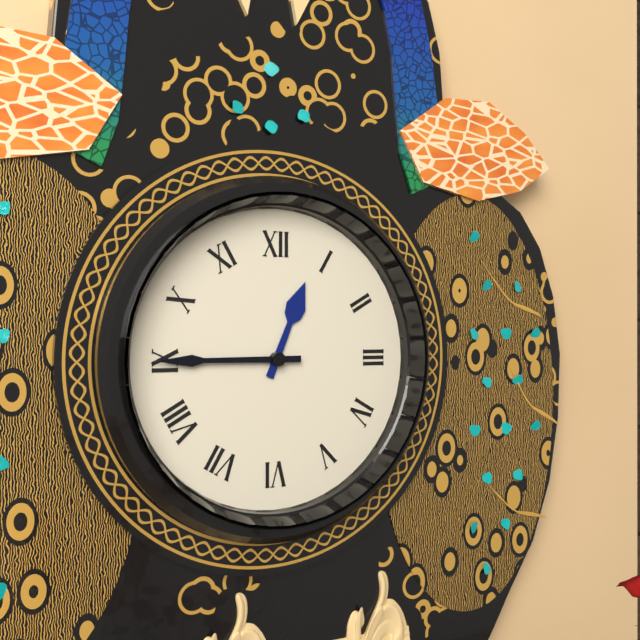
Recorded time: 12.45
